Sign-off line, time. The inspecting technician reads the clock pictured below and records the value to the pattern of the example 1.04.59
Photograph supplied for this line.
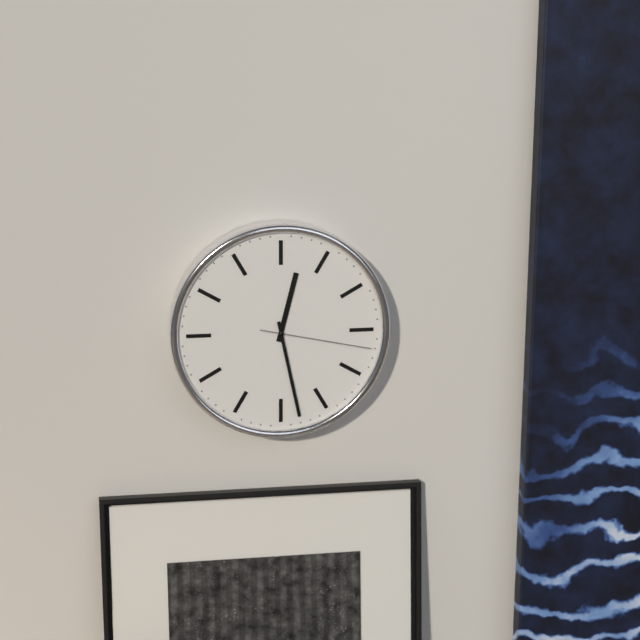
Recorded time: 12.28.17
